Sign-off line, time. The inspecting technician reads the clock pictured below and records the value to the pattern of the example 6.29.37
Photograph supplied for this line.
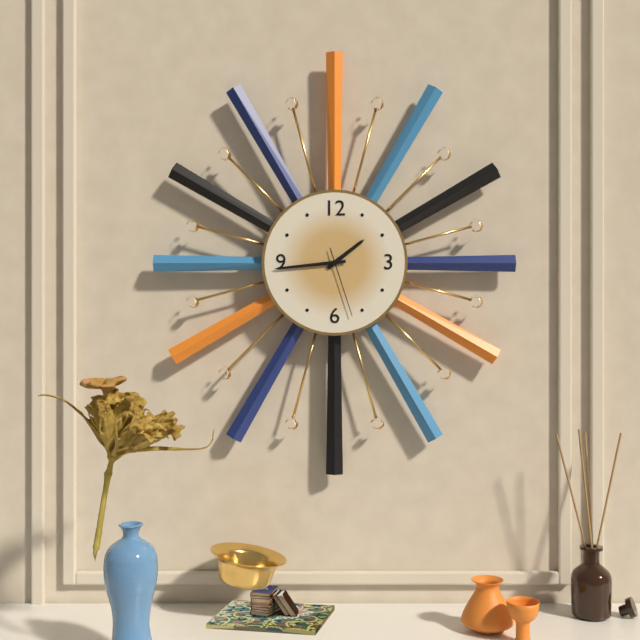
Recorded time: 1.44.27
